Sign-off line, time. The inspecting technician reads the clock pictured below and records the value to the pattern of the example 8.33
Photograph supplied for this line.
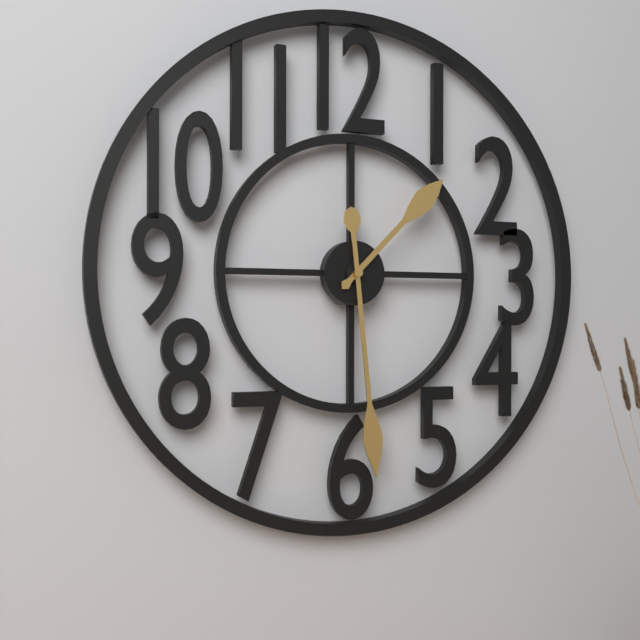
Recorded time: 1.29
